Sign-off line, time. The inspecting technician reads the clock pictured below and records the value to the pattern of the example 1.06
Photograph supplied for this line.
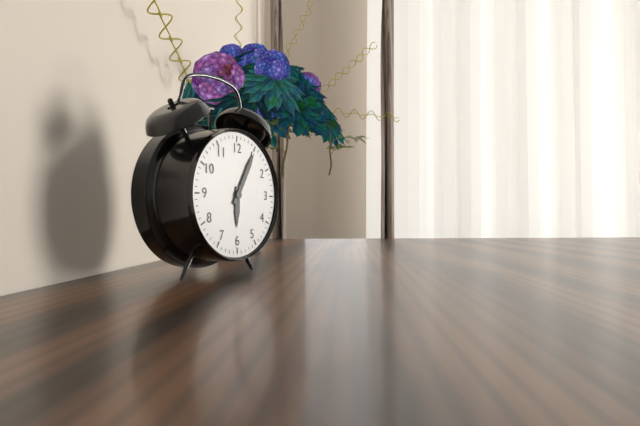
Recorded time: 6.05
